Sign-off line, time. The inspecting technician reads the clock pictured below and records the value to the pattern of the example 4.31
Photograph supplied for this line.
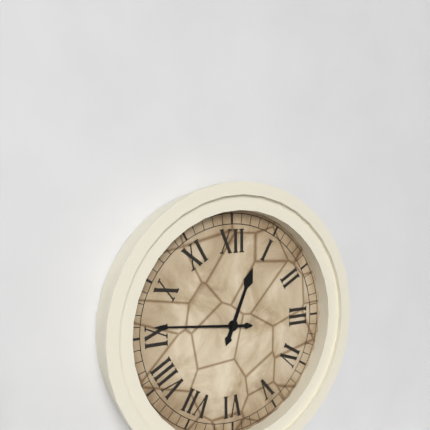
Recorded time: 12.46
